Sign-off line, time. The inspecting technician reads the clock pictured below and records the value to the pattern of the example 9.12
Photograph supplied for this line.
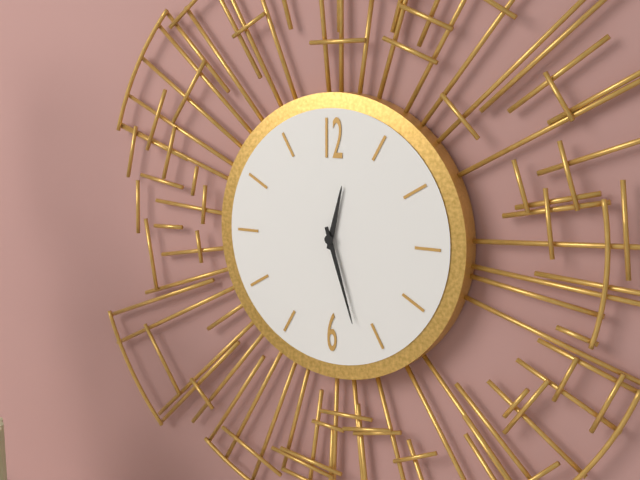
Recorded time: 12.27
